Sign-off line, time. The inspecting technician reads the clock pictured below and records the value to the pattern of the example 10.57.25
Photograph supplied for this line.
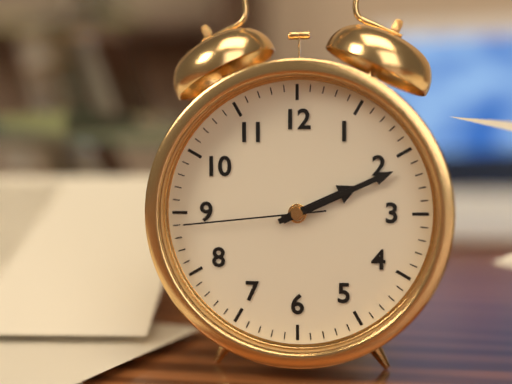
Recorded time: 2.11.44
